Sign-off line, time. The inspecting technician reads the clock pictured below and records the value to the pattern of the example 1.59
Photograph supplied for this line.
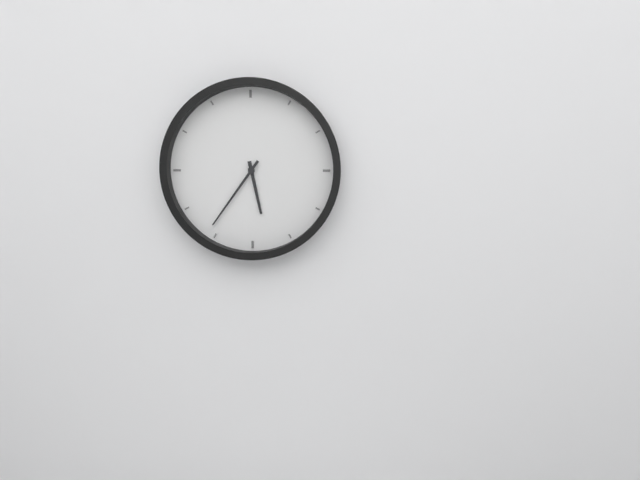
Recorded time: 5.36
